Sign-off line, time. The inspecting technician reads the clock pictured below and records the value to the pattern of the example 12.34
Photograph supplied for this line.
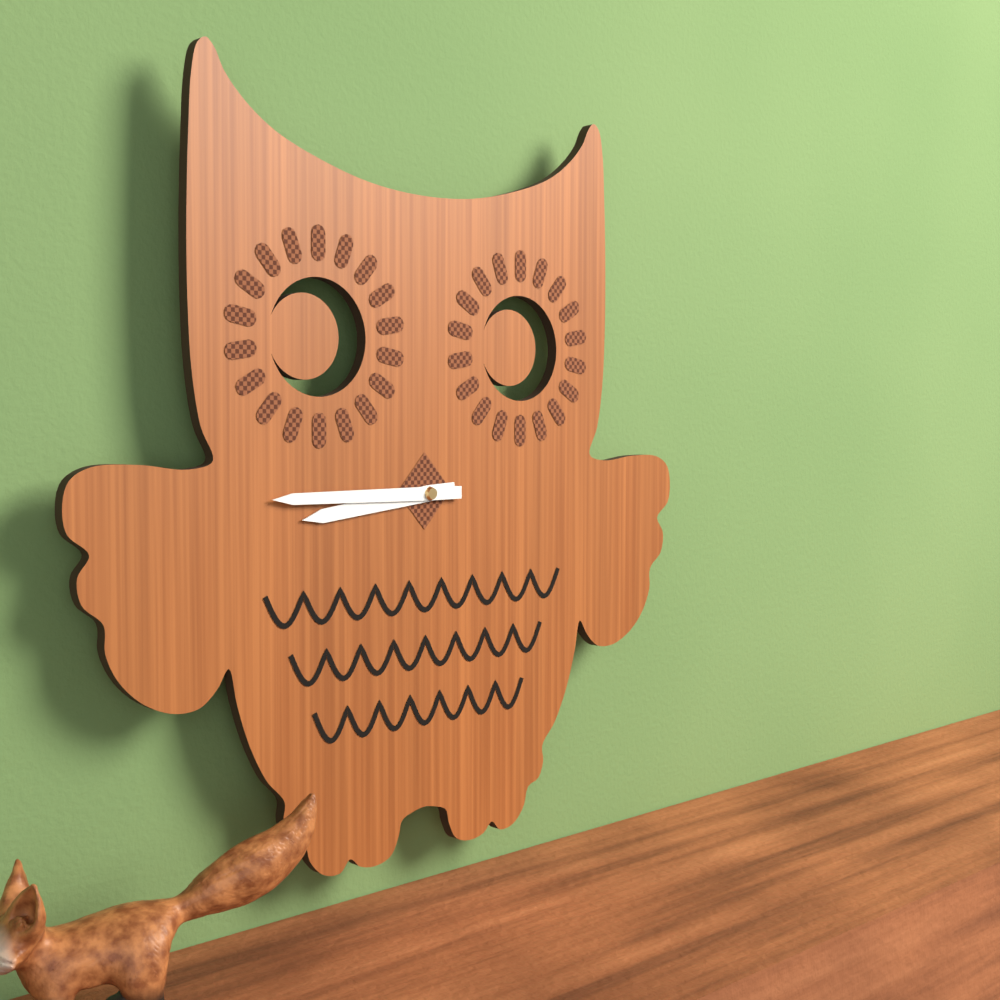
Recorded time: 8.45
